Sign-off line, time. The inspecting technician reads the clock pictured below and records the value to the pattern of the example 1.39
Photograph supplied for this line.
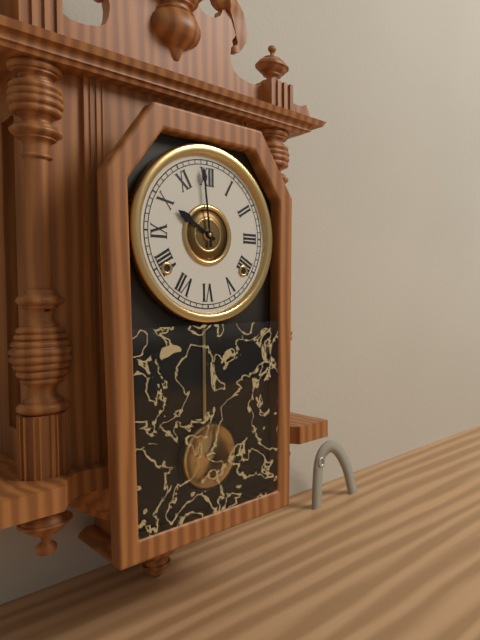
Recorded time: 9.59
